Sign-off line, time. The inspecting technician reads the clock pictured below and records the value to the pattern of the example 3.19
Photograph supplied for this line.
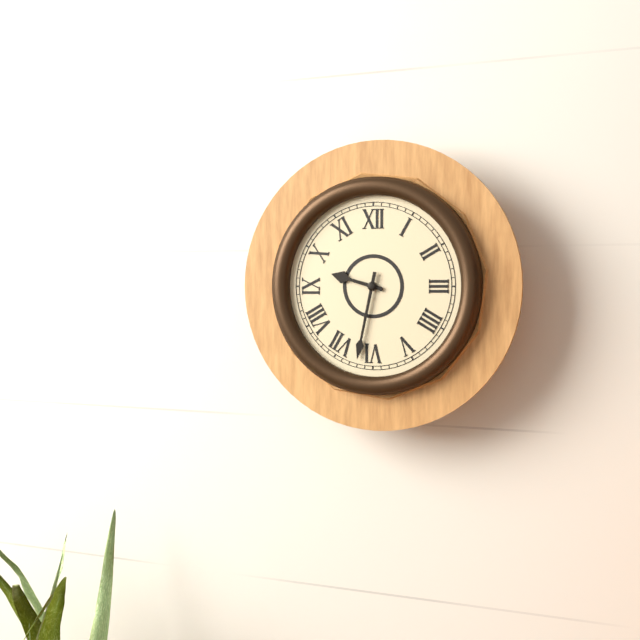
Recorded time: 9.32
